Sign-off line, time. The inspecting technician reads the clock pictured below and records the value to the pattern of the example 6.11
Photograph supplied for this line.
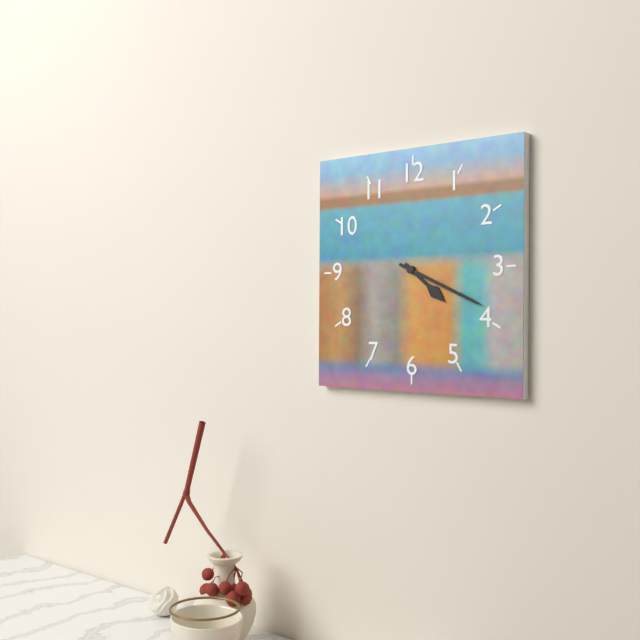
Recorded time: 4.19
